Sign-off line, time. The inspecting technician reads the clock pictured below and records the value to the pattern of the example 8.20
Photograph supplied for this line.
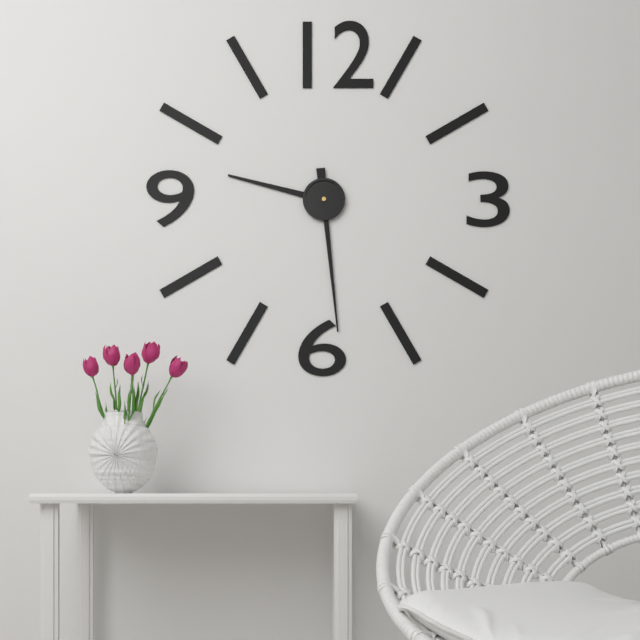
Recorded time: 9.29
